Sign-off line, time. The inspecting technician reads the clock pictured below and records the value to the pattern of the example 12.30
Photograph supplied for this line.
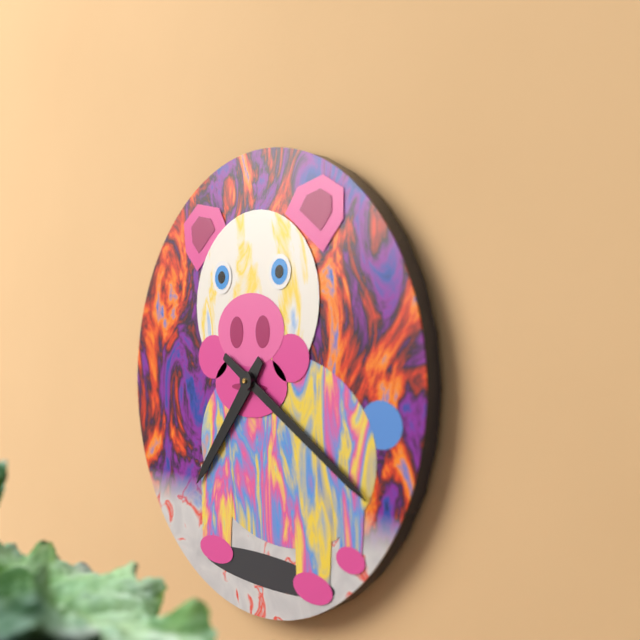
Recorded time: 7.20
